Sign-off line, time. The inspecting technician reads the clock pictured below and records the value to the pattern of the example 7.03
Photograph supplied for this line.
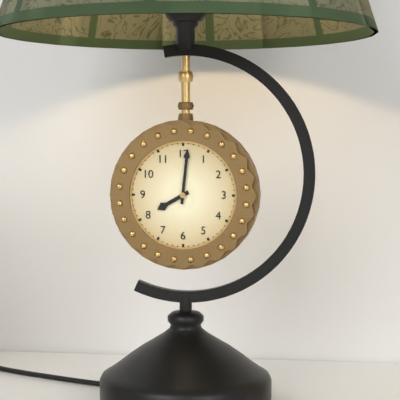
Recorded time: 8.01
